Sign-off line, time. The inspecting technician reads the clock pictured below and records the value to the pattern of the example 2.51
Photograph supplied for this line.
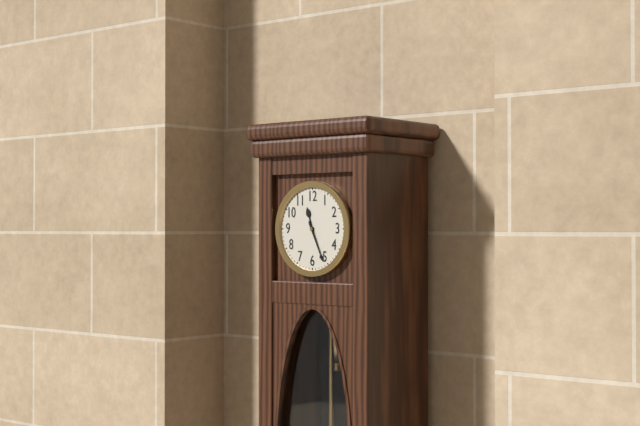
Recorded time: 11.26
